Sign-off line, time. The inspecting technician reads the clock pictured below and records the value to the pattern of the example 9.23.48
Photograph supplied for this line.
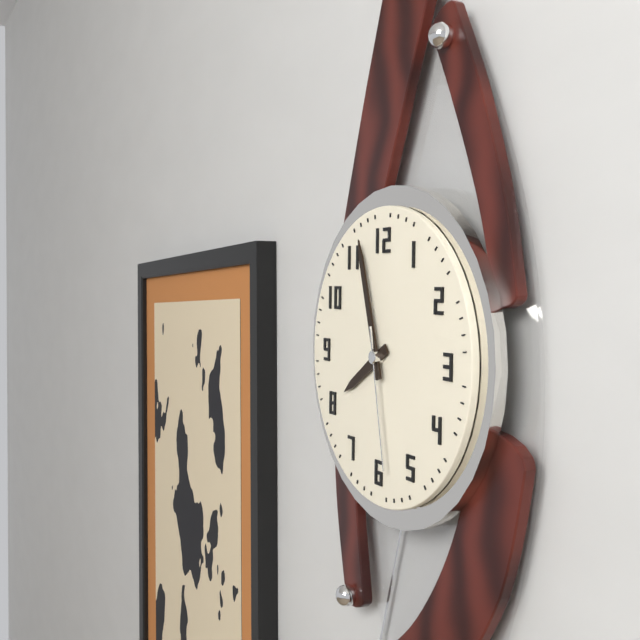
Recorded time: 7.57.28
